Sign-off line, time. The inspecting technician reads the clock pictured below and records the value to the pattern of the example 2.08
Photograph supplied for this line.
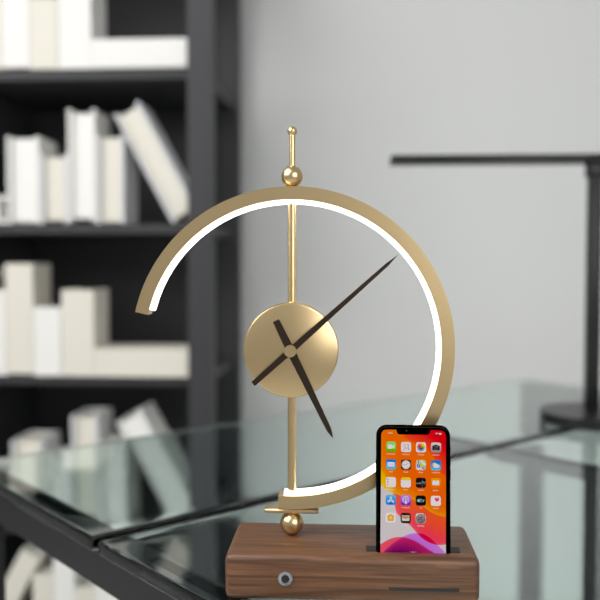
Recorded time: 5.08
